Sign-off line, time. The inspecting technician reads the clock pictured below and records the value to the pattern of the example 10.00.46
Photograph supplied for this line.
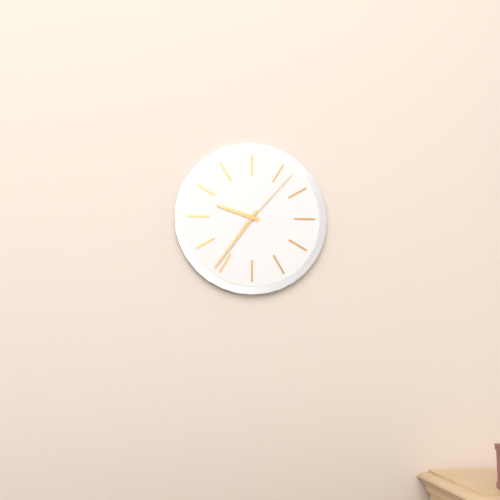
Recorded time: 9.36.07
